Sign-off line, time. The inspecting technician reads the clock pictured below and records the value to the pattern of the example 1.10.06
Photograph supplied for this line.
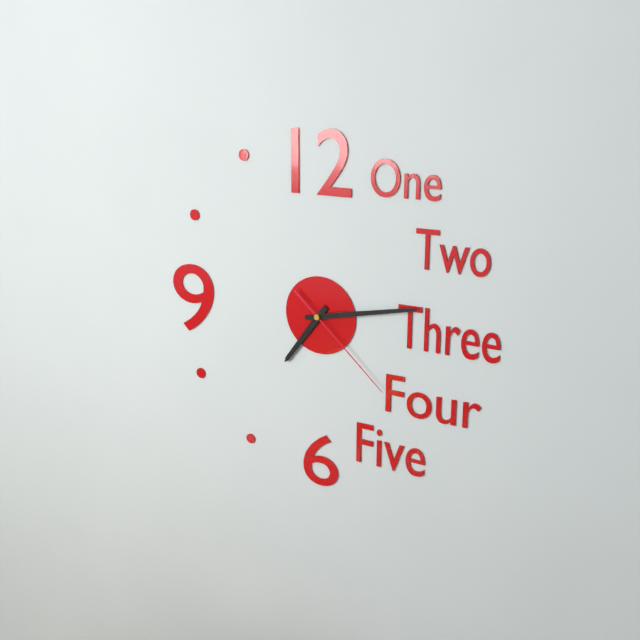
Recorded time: 7.13.22
